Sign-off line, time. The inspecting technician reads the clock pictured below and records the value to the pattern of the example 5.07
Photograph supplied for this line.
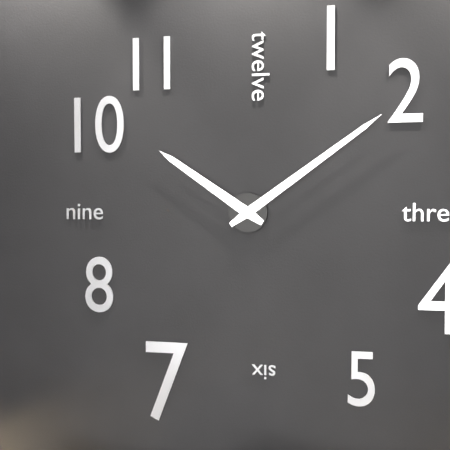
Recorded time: 10.09
